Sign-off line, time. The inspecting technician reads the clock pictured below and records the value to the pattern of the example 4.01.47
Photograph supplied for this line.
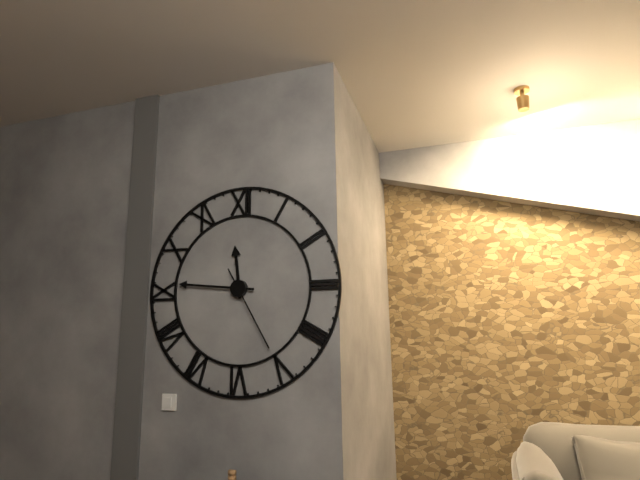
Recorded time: 11.46.25
